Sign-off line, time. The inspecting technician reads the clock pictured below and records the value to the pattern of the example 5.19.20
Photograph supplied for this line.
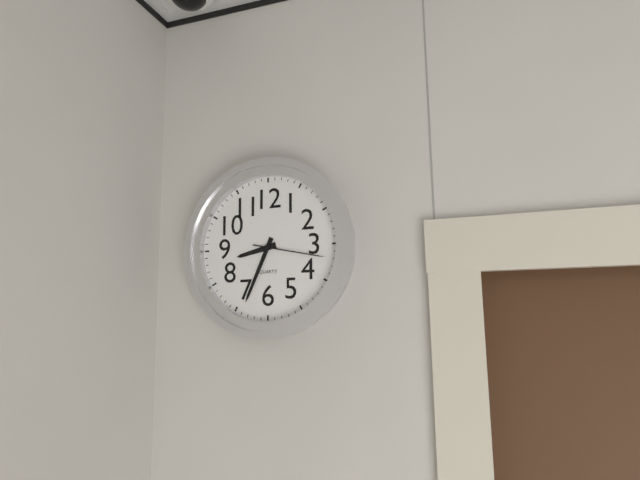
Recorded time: 8.34.17
